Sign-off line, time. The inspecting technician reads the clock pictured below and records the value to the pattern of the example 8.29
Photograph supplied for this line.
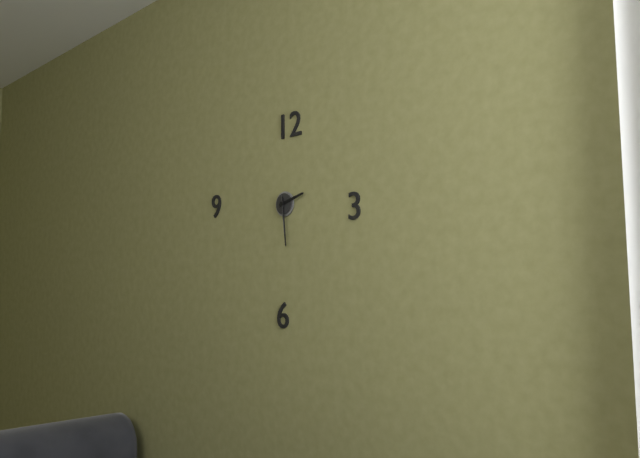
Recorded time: 2.29
